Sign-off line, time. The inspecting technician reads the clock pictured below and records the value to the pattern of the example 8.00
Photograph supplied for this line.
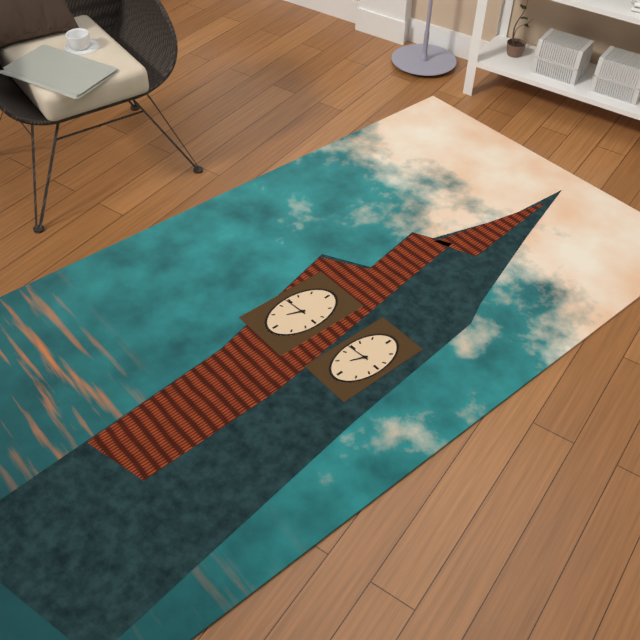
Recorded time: 6.44
